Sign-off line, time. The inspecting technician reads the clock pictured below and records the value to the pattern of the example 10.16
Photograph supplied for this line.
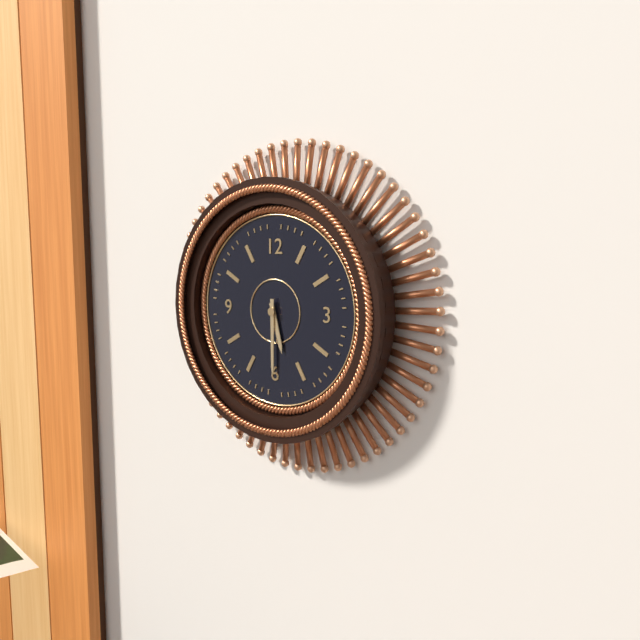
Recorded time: 5.30
